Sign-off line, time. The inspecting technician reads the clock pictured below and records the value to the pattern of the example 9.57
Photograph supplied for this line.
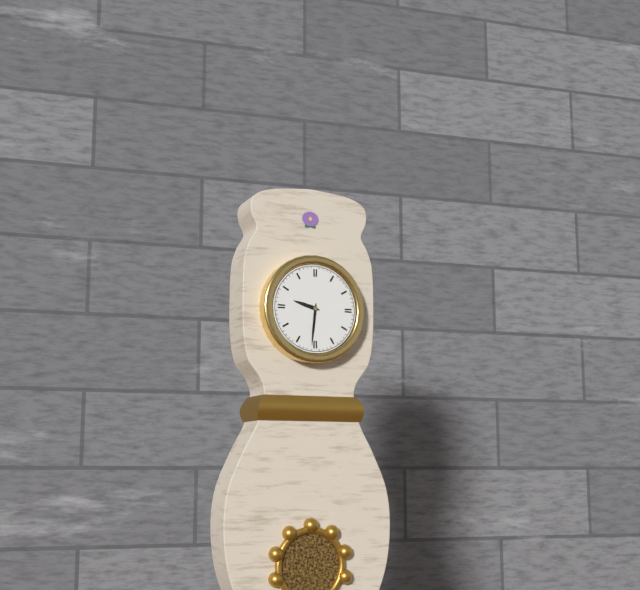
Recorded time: 9.31
